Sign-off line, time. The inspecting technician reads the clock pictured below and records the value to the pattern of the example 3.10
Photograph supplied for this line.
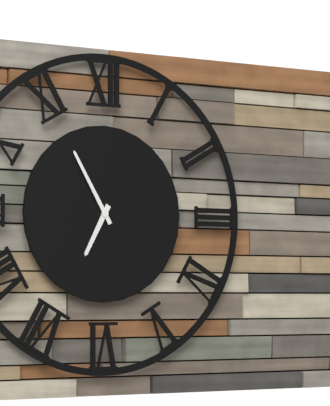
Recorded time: 6.55
